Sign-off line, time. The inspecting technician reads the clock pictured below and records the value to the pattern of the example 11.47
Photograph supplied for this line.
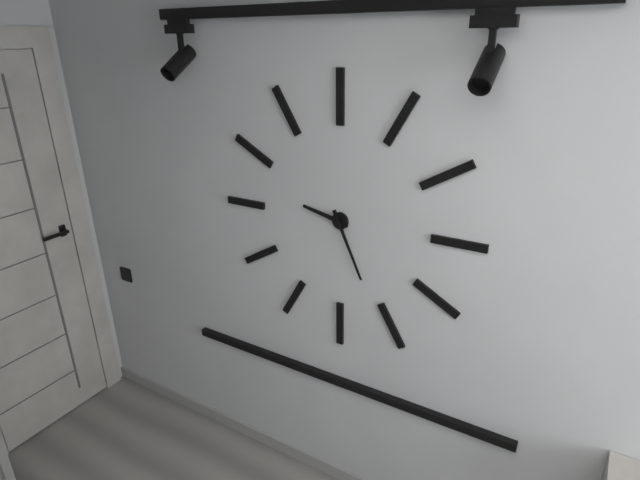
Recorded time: 9.26
